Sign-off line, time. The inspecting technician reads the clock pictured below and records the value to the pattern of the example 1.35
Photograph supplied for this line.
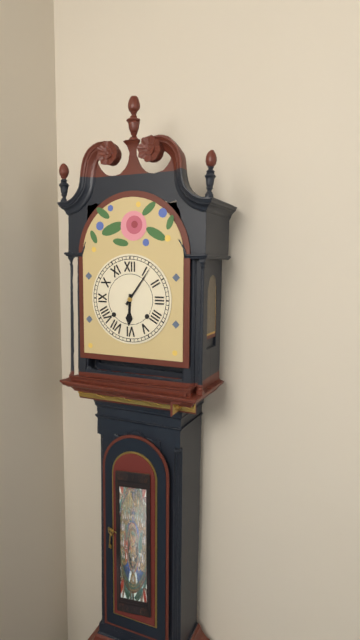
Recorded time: 6.06
